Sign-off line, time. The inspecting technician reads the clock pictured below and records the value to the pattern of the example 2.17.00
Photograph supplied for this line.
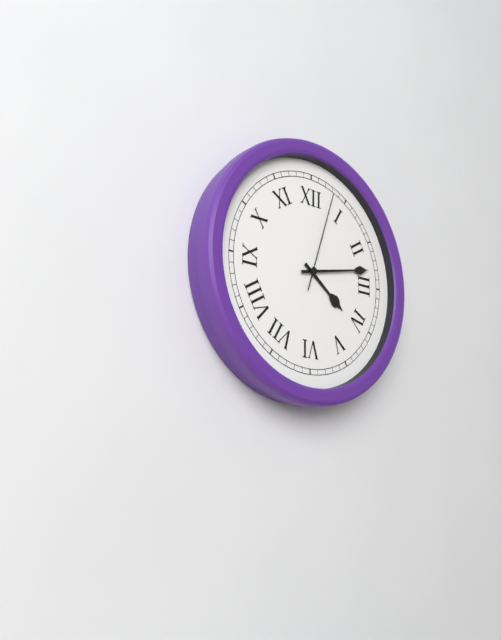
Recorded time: 4.13.03
